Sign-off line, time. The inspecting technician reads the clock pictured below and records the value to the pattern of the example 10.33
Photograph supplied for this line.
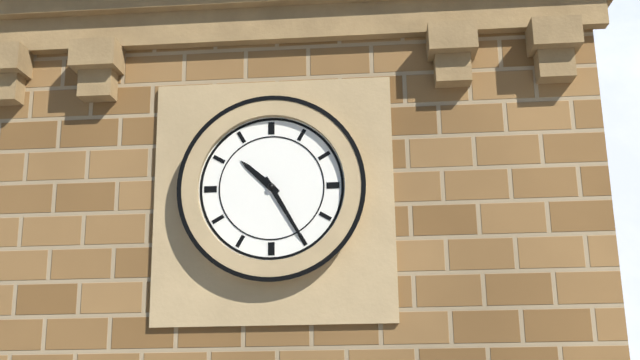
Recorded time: 10.25
